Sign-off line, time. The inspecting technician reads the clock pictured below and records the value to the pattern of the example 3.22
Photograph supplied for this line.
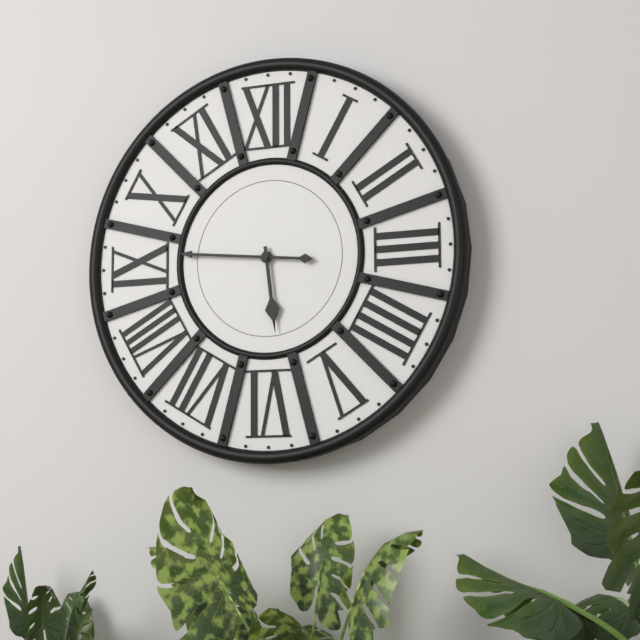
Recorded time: 5.46
